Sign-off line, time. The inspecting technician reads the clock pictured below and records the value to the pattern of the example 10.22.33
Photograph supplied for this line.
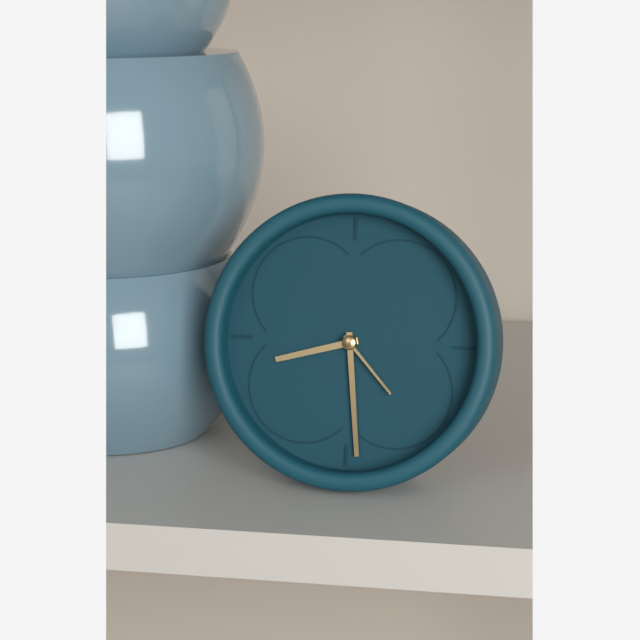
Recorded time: 8.29.23
